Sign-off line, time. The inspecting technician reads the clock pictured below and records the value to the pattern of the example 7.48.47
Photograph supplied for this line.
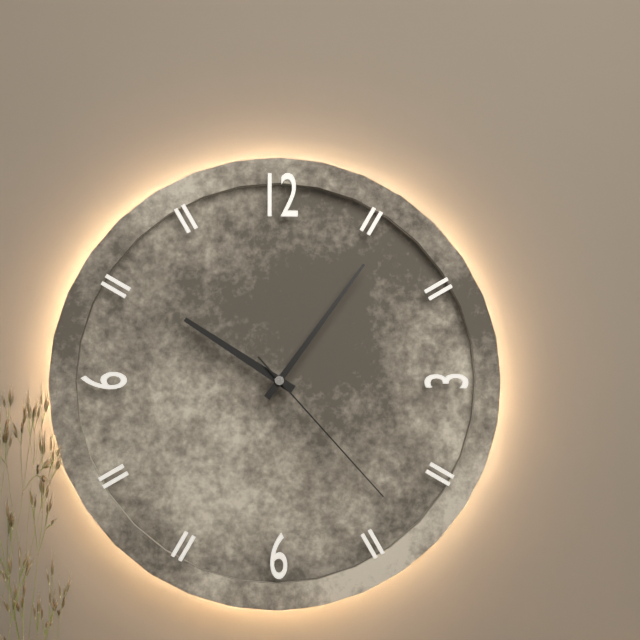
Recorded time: 10.06.23
